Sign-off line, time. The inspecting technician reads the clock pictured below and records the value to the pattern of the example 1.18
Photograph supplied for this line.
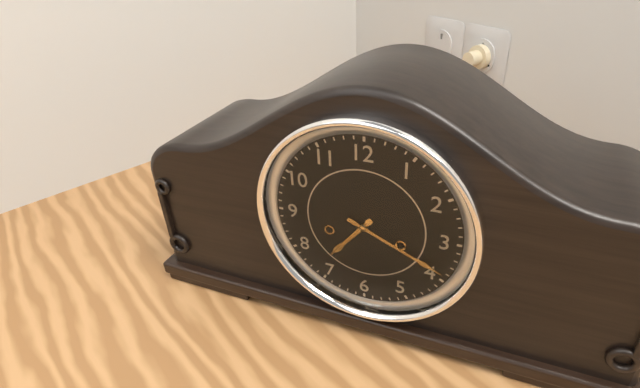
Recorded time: 7.19
